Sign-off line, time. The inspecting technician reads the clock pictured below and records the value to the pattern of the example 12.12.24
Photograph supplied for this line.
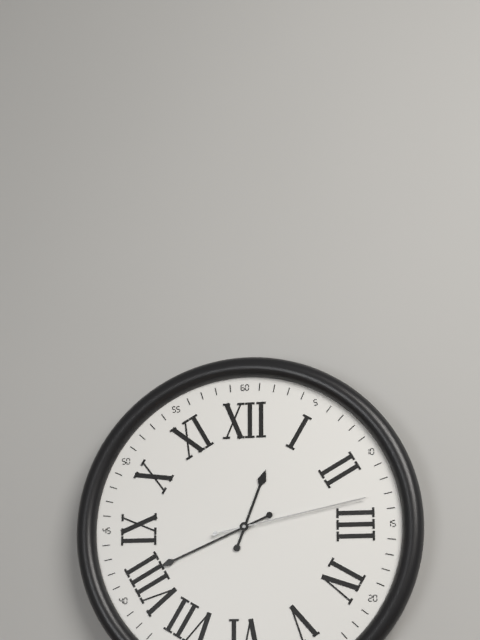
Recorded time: 12.41.13
